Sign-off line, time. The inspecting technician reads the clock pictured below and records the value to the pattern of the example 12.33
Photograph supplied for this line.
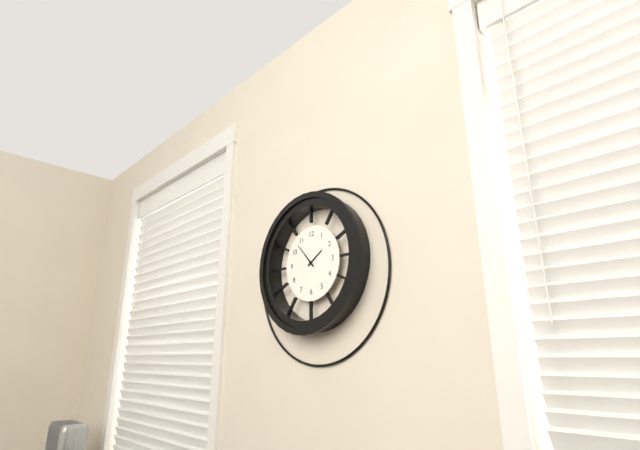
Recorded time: 1.53
